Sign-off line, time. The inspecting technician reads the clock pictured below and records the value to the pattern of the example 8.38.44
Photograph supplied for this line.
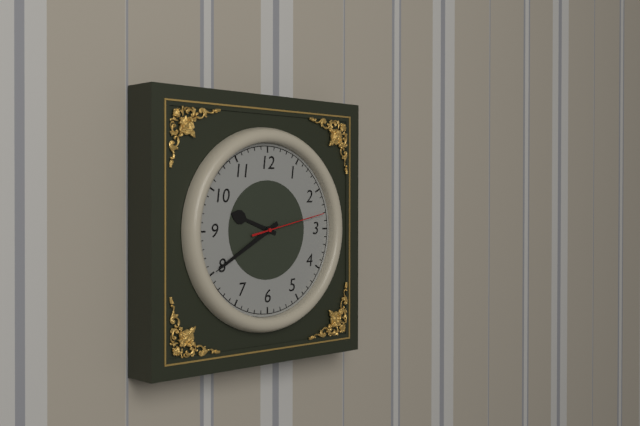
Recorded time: 9.40.13
